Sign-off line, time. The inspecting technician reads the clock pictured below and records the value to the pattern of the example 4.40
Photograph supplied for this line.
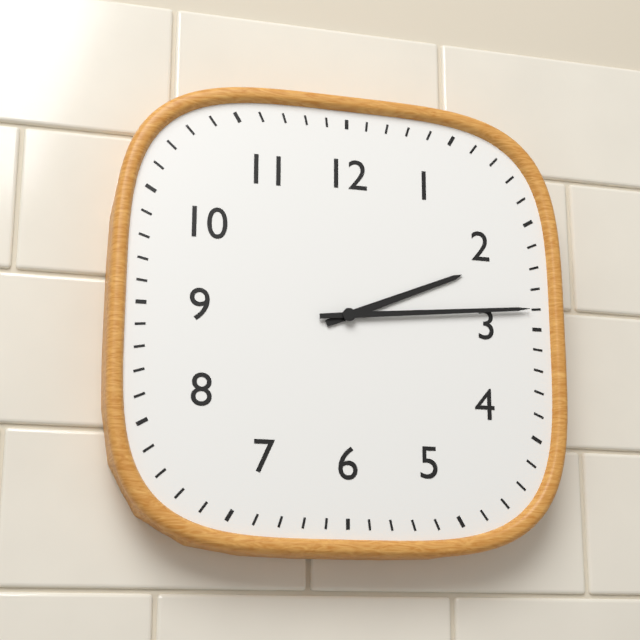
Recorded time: 2.14
